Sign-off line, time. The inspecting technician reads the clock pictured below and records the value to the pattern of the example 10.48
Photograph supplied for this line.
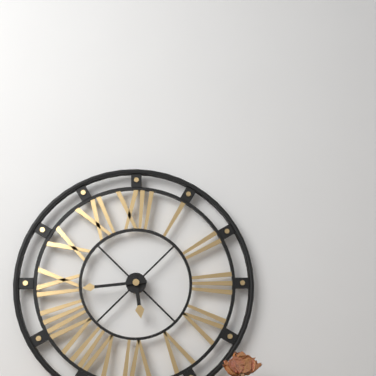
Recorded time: 5.44
